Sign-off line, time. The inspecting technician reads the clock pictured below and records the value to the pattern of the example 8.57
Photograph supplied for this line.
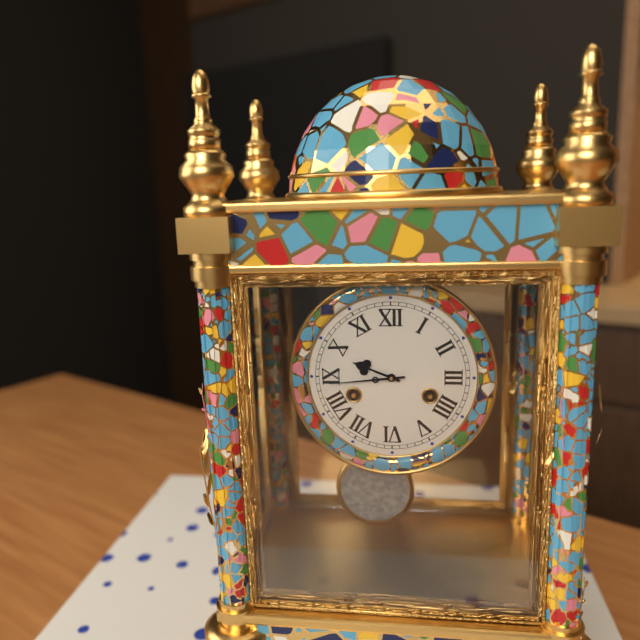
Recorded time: 9.44
